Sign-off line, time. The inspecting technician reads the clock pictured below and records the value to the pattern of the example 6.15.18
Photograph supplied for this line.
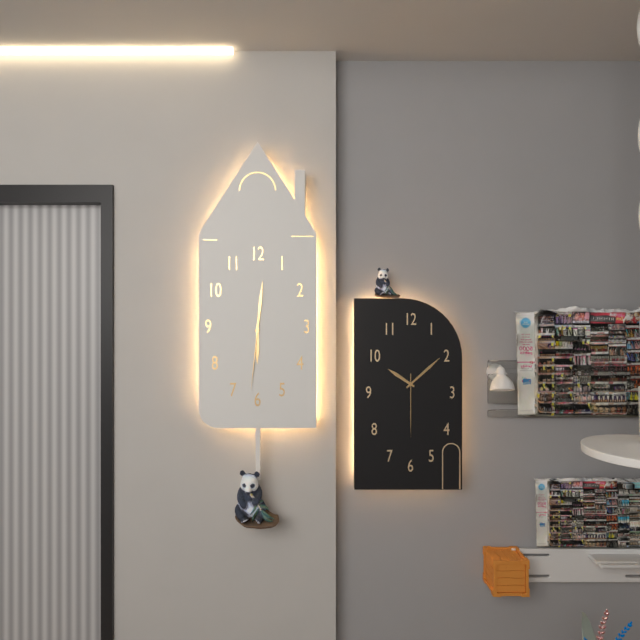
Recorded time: 6.01.31
